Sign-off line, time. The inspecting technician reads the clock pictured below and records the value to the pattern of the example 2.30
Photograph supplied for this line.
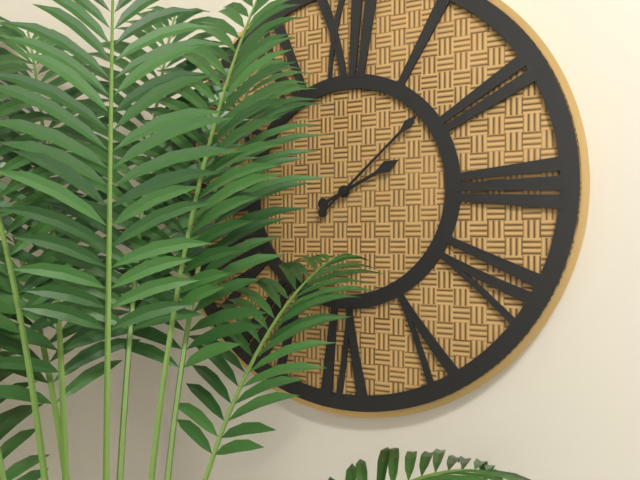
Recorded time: 2.08
